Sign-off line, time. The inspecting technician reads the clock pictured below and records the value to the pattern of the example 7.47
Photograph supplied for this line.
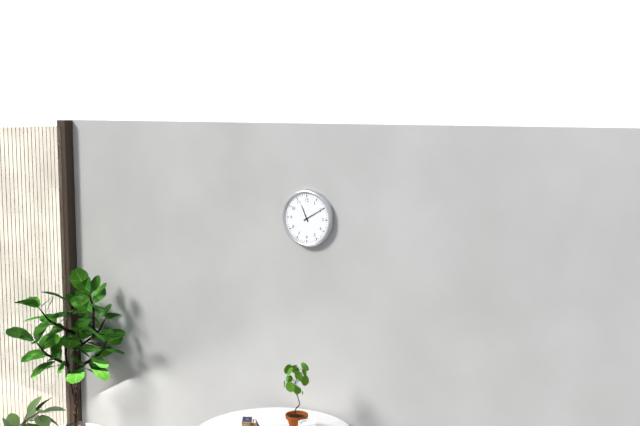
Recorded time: 11.10
